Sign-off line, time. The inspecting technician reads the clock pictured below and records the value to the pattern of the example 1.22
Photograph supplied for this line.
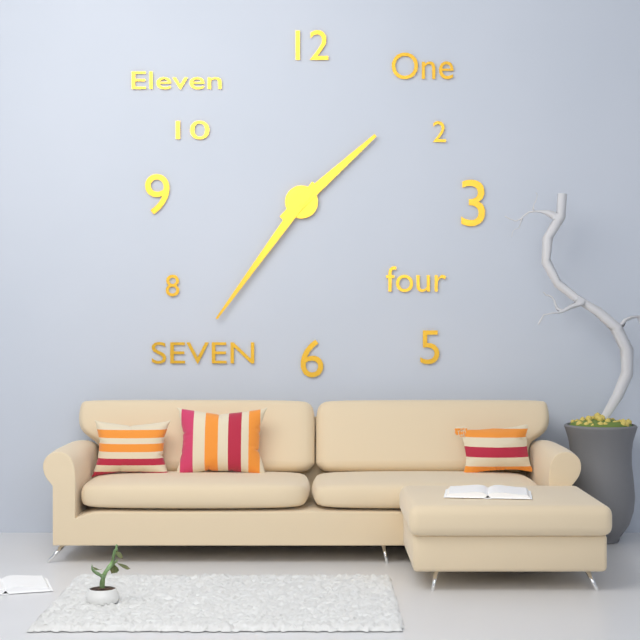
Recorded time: 1.36
